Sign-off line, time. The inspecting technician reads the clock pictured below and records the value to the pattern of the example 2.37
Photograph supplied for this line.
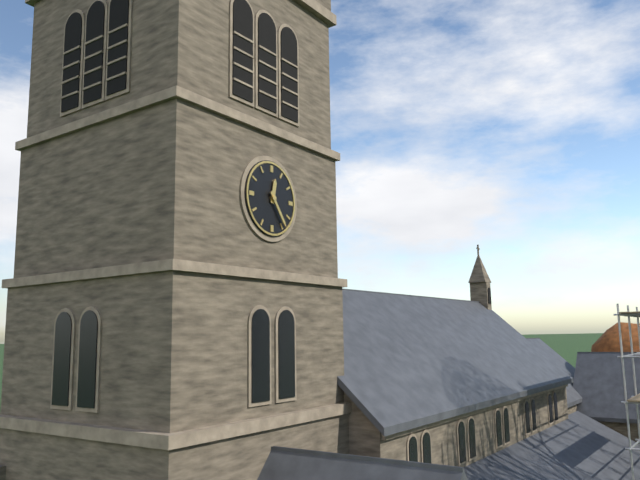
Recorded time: 12.24
